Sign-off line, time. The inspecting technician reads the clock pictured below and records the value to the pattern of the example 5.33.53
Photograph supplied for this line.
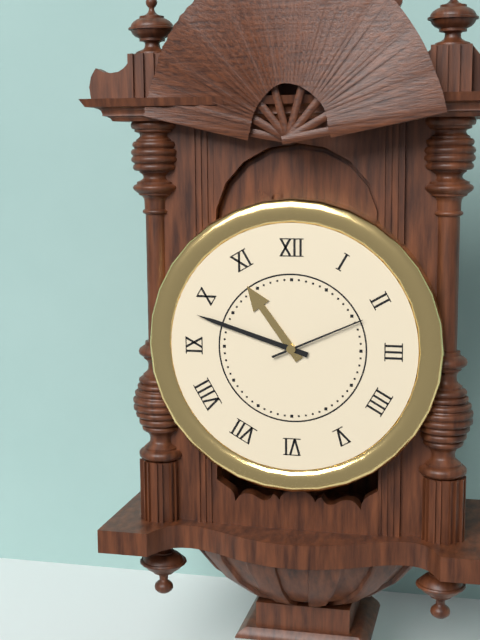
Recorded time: 10.48.11
